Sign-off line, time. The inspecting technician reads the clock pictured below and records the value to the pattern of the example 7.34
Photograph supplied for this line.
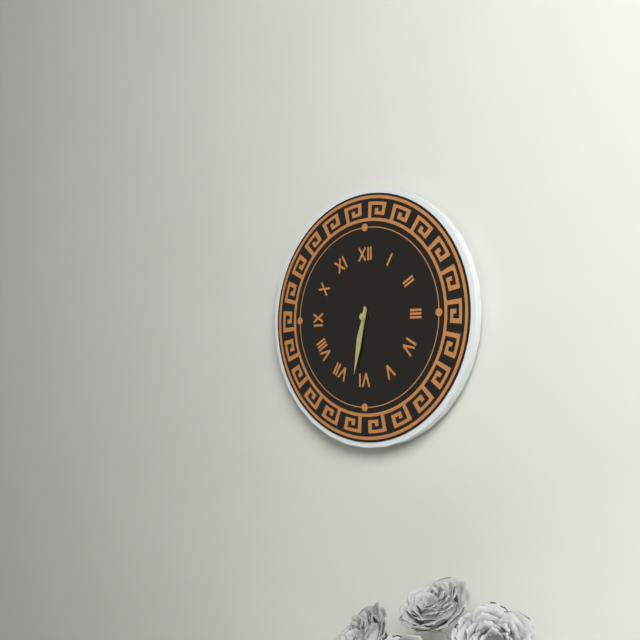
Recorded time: 6.32
